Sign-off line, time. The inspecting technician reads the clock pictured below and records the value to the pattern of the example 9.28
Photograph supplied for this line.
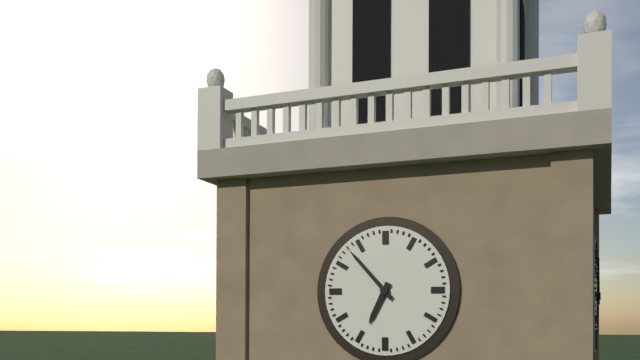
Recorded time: 6.53
